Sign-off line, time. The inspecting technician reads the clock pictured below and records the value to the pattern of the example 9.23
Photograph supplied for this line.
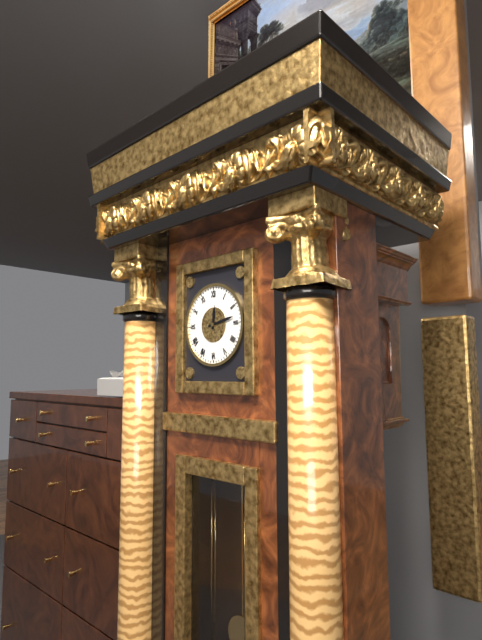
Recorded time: 12.13
